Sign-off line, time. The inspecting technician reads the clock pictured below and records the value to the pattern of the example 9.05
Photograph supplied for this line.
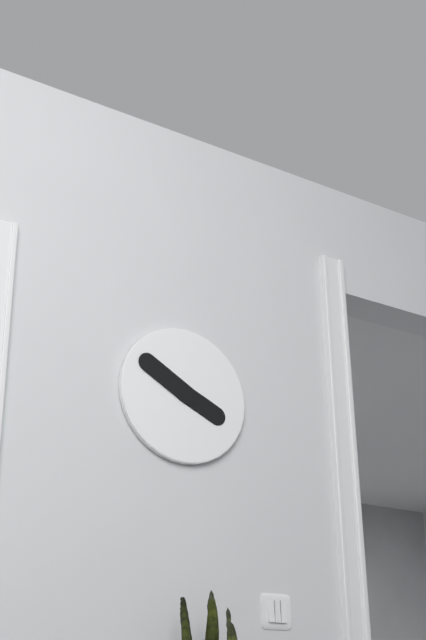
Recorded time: 3.50
